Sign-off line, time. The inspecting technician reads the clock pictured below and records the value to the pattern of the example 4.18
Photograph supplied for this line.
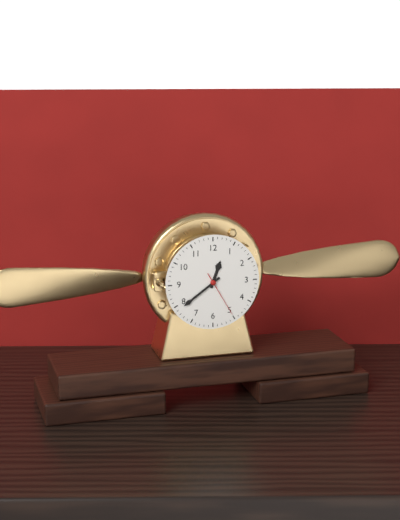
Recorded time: 12.39
